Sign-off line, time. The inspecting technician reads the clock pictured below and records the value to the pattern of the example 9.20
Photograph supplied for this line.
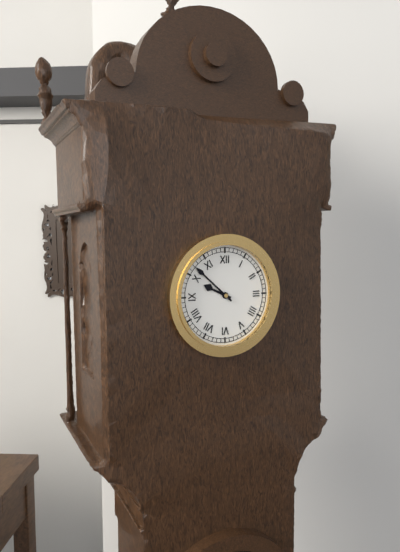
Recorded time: 9.52
